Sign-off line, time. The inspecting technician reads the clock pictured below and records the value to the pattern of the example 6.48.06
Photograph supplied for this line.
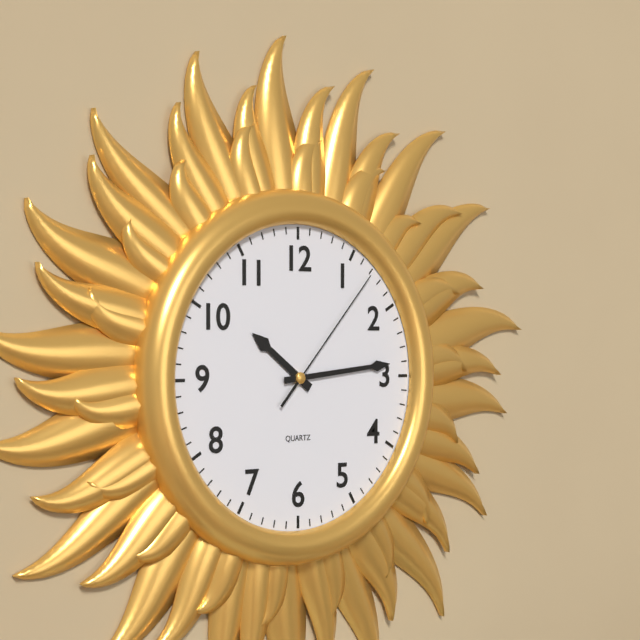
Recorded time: 10.14.07
